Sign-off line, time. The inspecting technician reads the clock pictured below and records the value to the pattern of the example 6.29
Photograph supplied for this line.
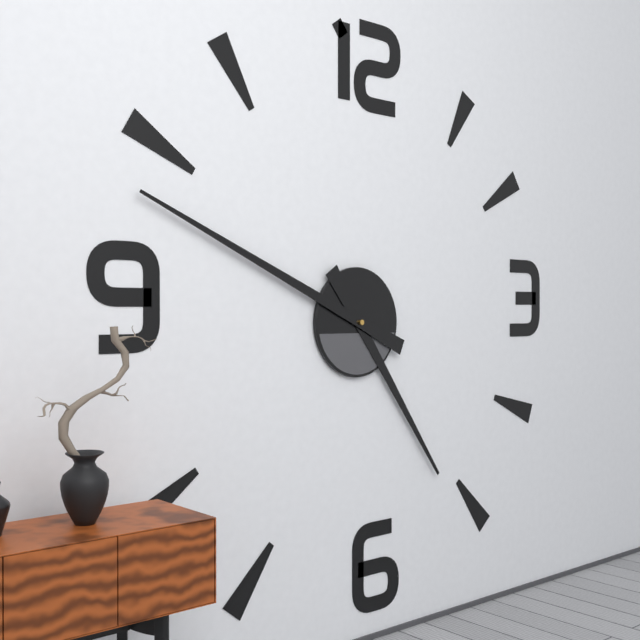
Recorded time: 4.49
